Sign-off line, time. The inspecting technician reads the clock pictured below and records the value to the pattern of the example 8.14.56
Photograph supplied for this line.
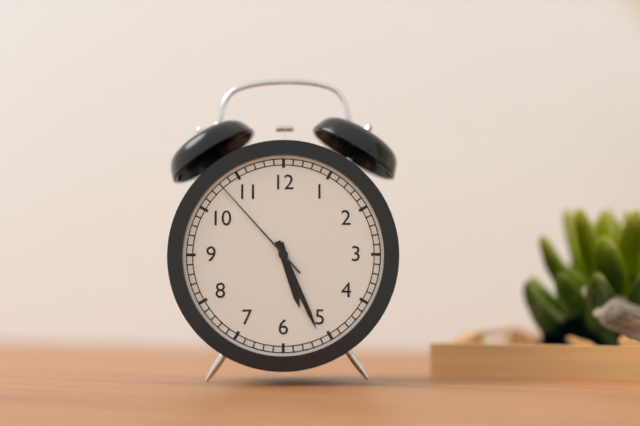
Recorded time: 5.26.53
